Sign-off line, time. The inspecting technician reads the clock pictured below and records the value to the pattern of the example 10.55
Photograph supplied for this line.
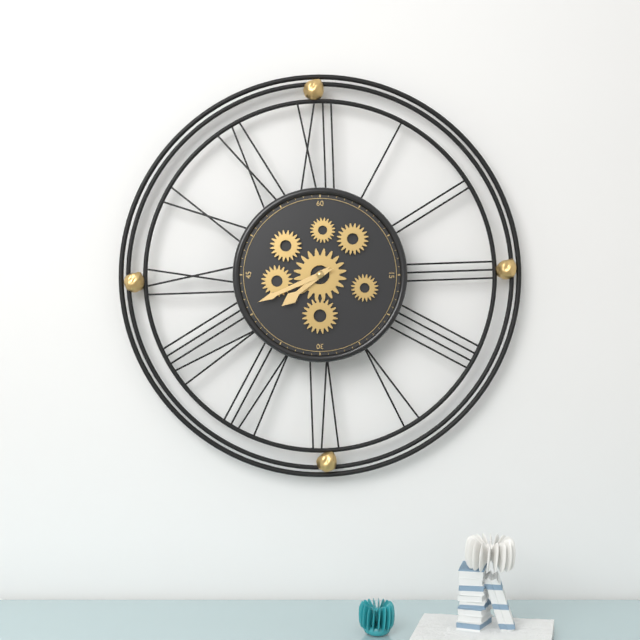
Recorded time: 7.41
